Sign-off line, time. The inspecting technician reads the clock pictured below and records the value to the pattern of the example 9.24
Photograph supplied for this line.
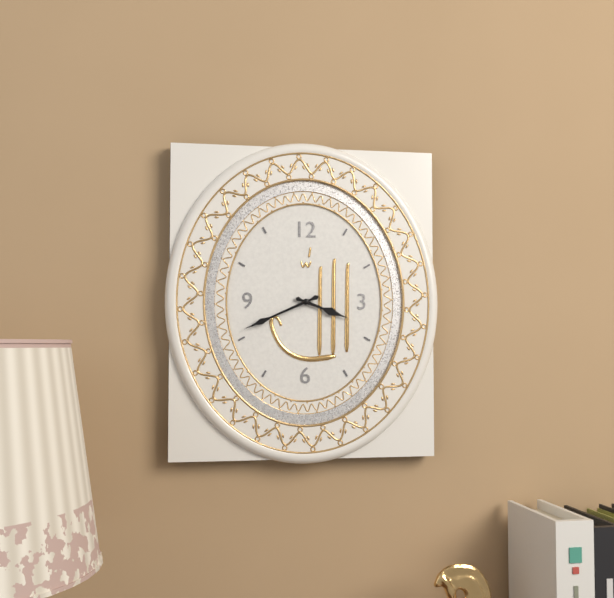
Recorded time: 3.41
